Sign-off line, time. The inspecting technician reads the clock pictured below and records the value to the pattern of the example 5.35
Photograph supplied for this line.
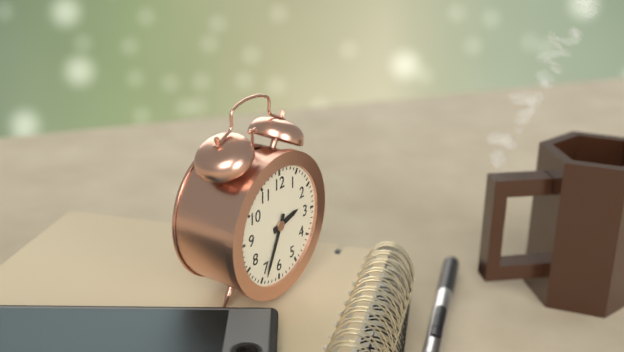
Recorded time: 2.34
